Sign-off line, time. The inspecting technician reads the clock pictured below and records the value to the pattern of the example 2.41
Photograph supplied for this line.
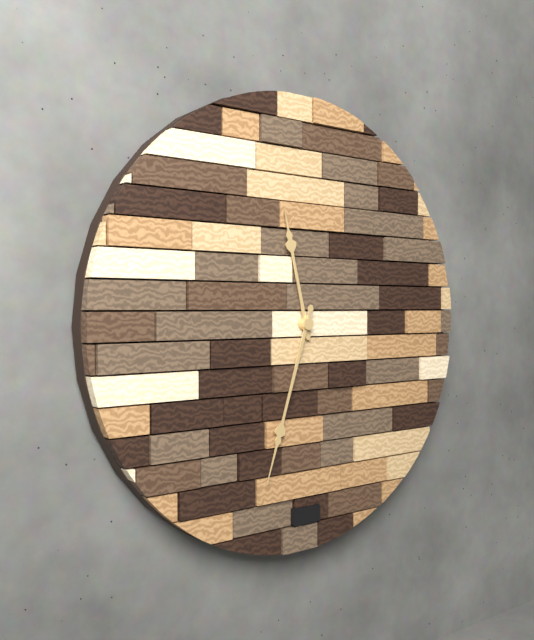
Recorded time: 11.33
